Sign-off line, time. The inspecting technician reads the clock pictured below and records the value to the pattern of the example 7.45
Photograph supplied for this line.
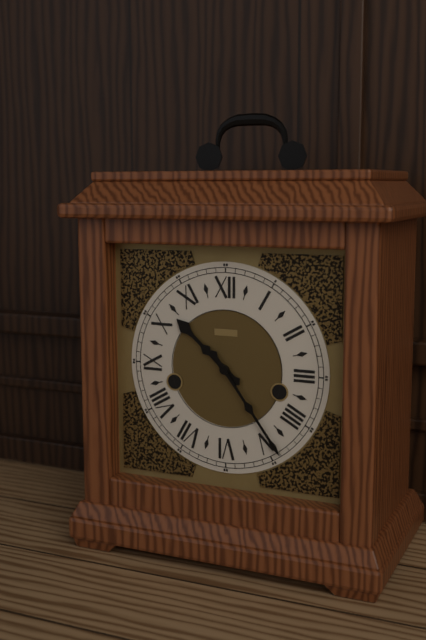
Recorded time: 10.24
